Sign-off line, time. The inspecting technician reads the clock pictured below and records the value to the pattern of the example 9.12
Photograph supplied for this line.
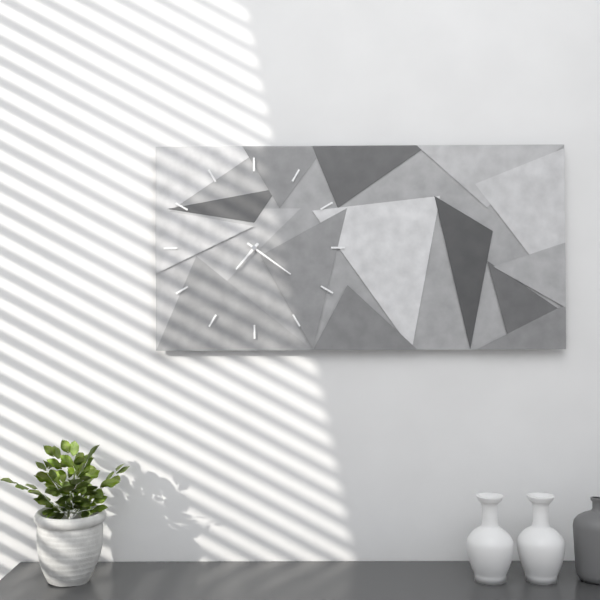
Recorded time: 7.21
